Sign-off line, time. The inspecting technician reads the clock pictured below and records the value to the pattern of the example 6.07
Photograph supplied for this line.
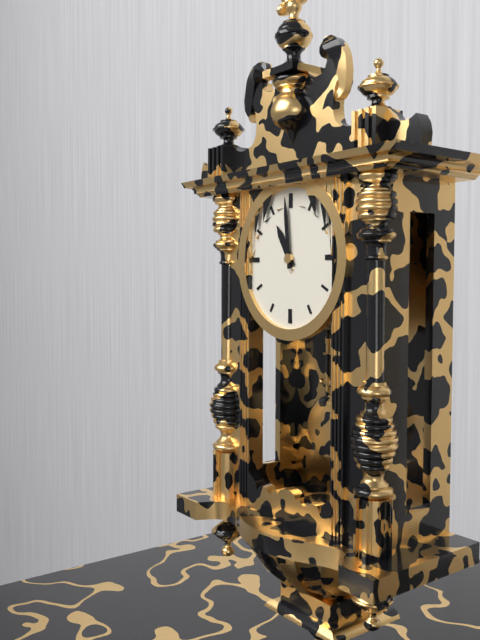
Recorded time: 10.59
